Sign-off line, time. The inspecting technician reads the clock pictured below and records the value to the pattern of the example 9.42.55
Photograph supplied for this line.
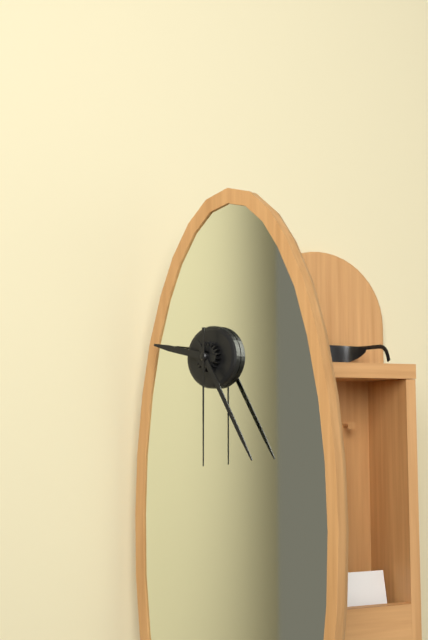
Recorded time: 9.25.30
